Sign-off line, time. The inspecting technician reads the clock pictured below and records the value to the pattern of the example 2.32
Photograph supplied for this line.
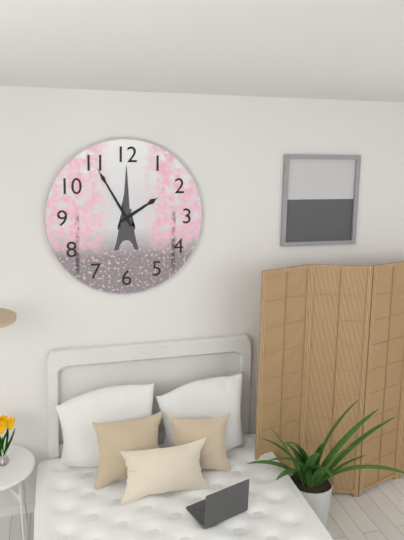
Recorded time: 1.55
